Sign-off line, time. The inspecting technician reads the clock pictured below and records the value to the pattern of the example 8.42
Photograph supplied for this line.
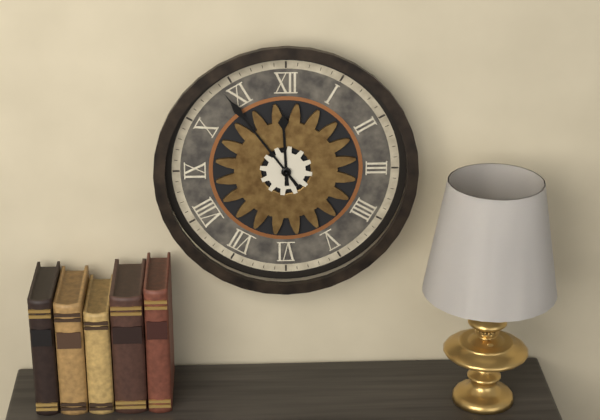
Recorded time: 11.54
